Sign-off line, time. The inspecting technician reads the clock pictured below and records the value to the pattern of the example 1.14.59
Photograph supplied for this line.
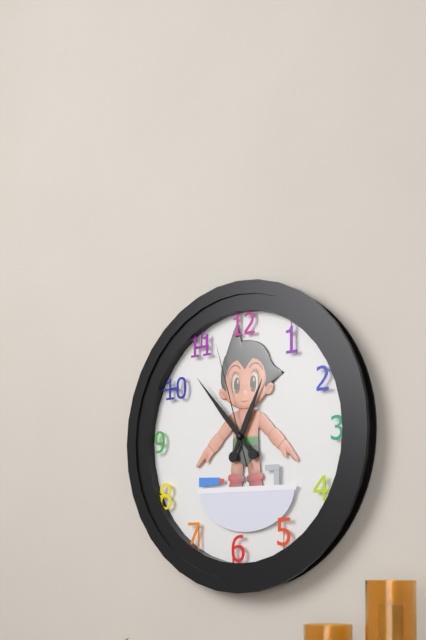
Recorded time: 12.53.57
